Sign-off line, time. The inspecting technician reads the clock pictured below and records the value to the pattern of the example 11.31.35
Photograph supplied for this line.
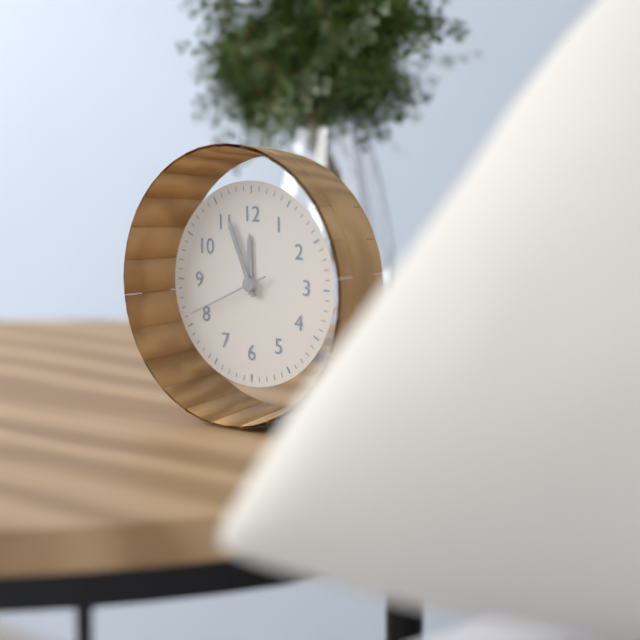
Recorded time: 11.56.41
